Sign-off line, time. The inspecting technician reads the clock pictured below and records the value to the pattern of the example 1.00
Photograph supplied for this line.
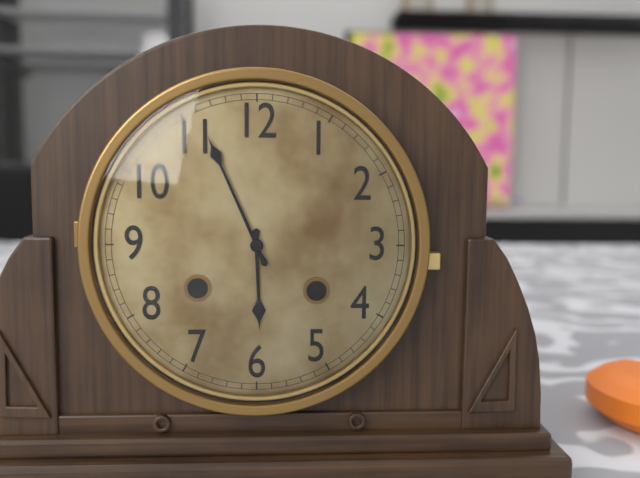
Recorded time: 5.56
